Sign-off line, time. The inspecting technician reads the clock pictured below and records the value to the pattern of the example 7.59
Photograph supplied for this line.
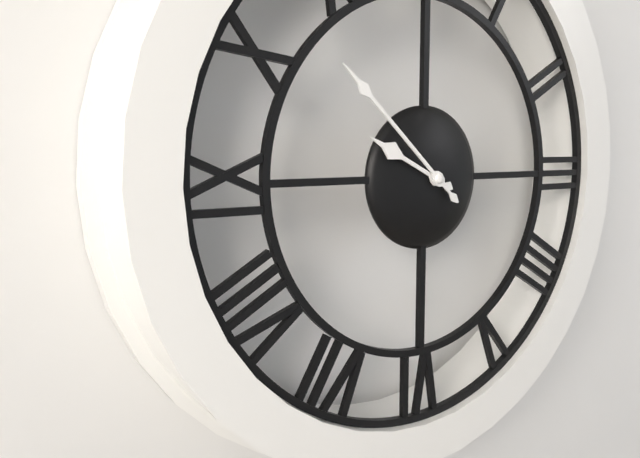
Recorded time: 9.52
